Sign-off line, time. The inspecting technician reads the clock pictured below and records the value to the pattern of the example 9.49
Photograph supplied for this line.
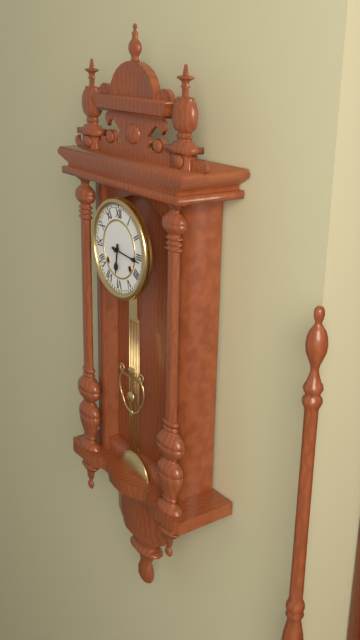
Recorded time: 6.16
